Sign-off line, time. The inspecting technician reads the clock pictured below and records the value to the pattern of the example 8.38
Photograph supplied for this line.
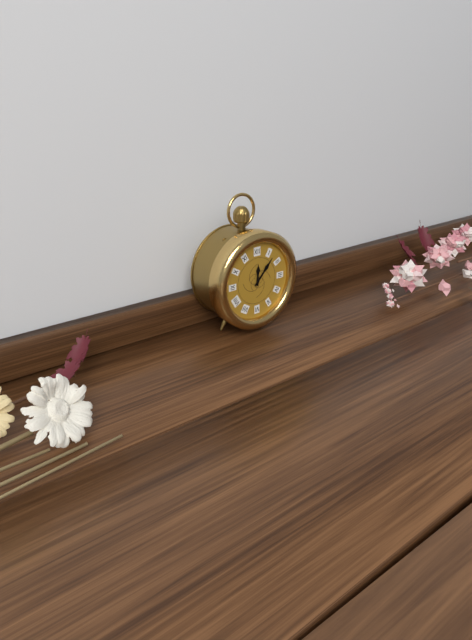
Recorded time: 12.07
